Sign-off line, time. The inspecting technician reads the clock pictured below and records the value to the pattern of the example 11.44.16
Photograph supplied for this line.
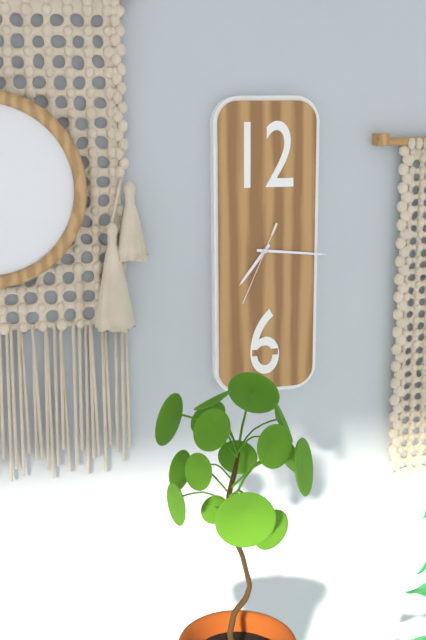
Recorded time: 7.16.34
